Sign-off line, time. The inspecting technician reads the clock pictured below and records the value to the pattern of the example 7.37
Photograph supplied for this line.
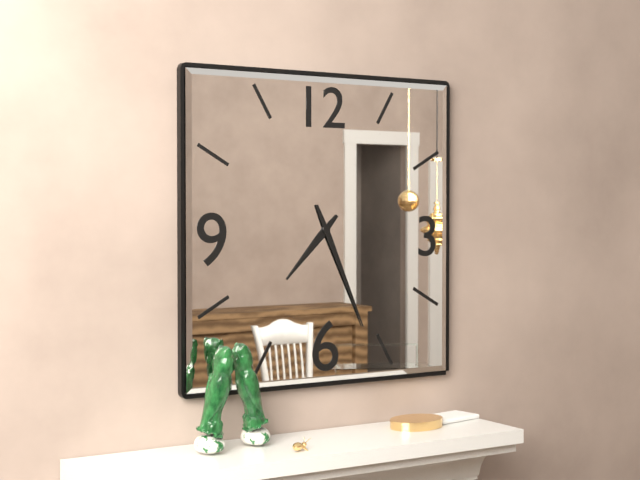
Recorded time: 7.26
